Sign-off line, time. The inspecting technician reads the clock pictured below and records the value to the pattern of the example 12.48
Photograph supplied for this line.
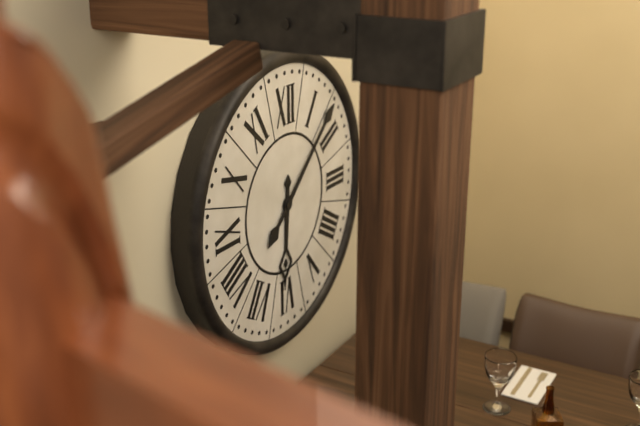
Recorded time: 6.08
